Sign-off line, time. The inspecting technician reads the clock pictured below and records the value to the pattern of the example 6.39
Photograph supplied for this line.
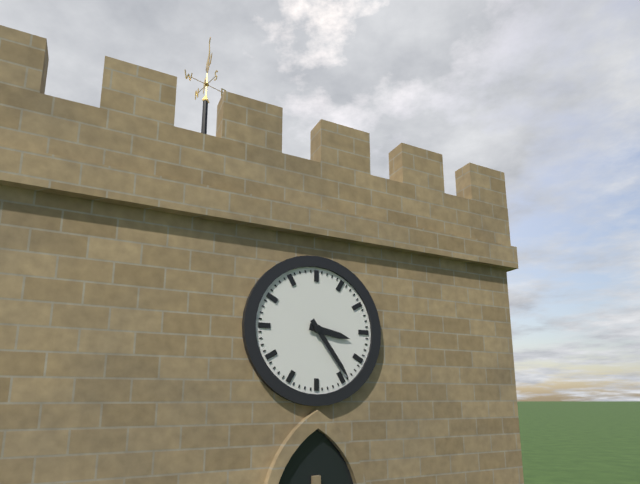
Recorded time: 3.24
